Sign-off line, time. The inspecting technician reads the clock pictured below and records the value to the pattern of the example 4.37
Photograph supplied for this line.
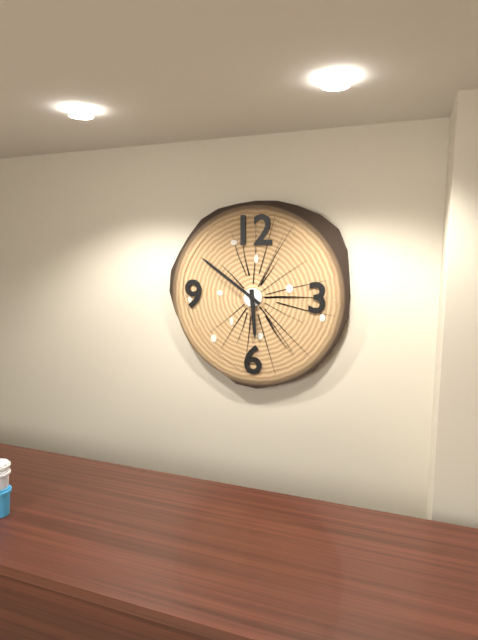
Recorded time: 5.51
